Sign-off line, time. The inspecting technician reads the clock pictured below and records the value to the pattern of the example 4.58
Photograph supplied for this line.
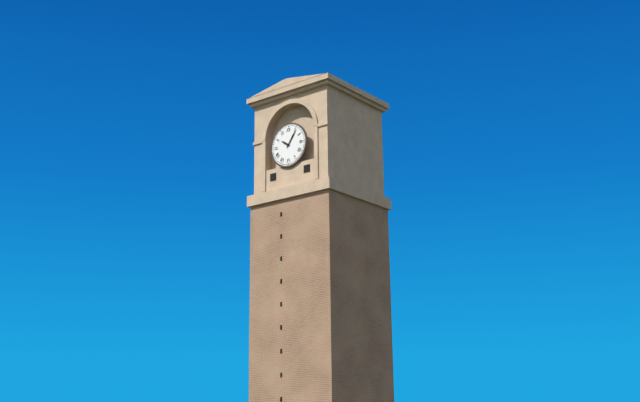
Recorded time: 10.06
